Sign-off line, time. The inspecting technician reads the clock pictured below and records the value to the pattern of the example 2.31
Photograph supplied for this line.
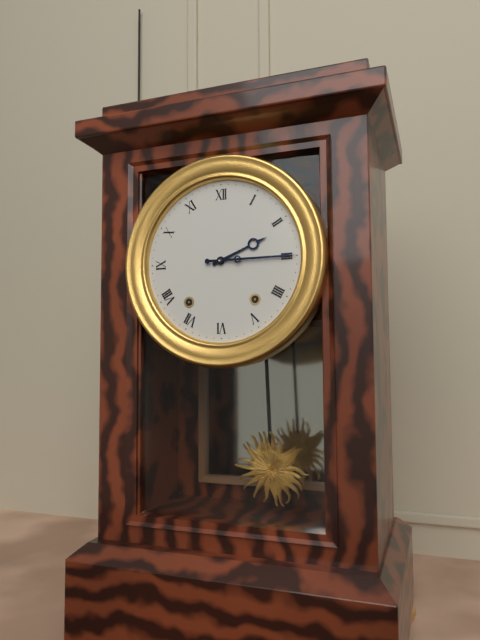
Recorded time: 2.15
